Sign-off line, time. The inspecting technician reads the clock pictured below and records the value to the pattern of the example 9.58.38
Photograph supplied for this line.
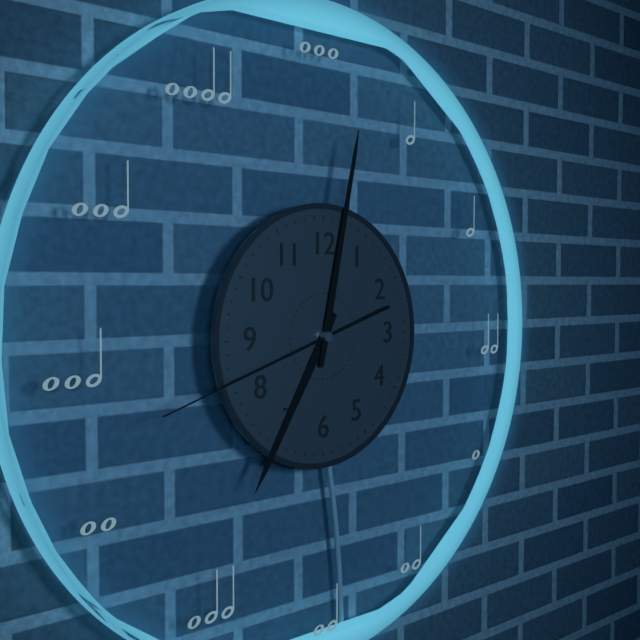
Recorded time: 7.02.42
